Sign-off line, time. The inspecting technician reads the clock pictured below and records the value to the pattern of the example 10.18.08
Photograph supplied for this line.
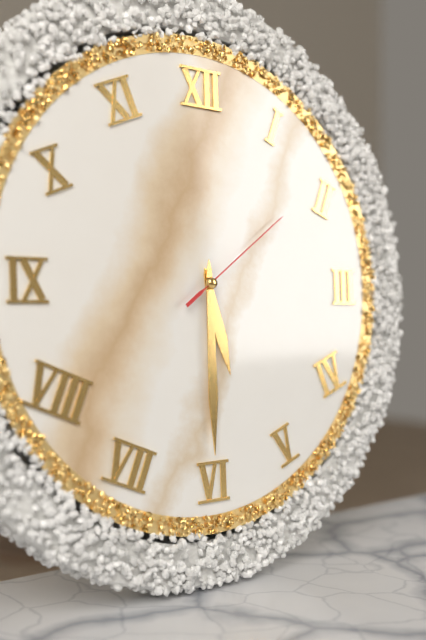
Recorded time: 5.30.09
